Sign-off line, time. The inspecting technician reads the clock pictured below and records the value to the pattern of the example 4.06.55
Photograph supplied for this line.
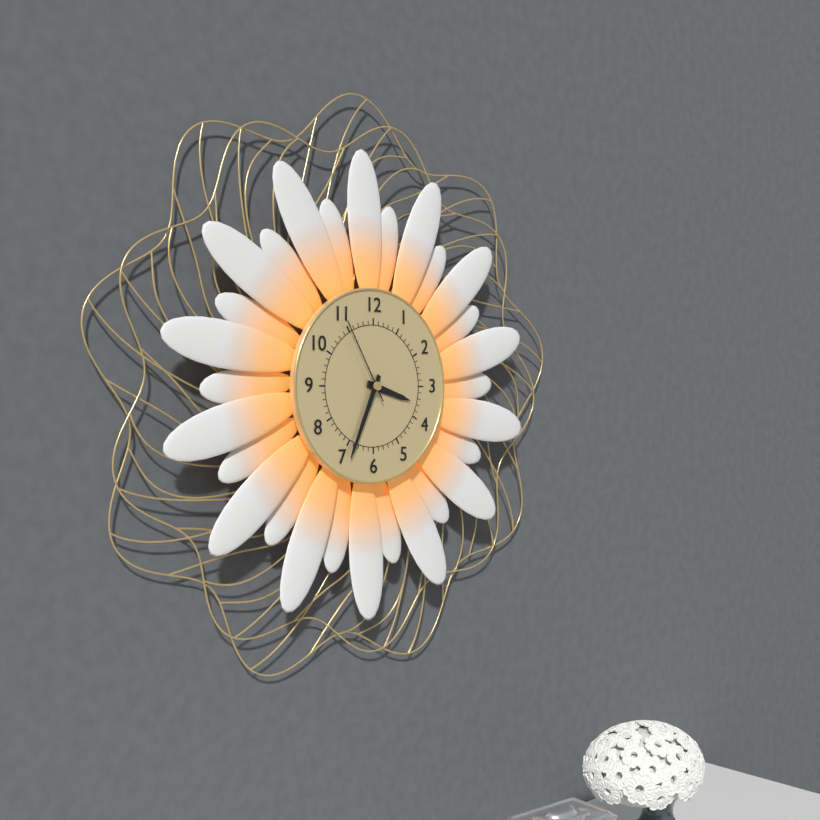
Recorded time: 3.34.55
